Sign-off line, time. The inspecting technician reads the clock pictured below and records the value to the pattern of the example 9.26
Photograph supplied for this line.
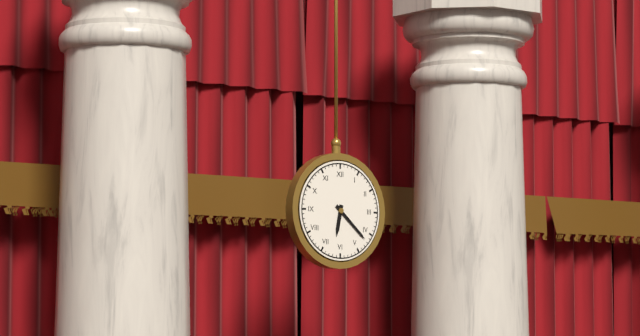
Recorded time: 6.22
